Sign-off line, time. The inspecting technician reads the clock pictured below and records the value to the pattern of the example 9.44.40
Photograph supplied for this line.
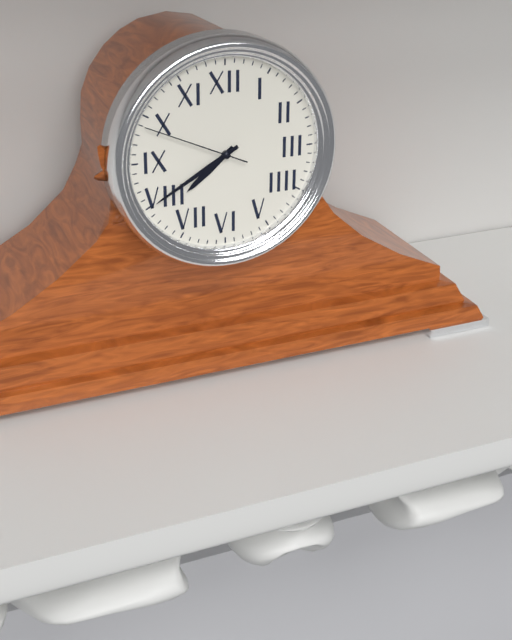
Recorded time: 7.40.49
